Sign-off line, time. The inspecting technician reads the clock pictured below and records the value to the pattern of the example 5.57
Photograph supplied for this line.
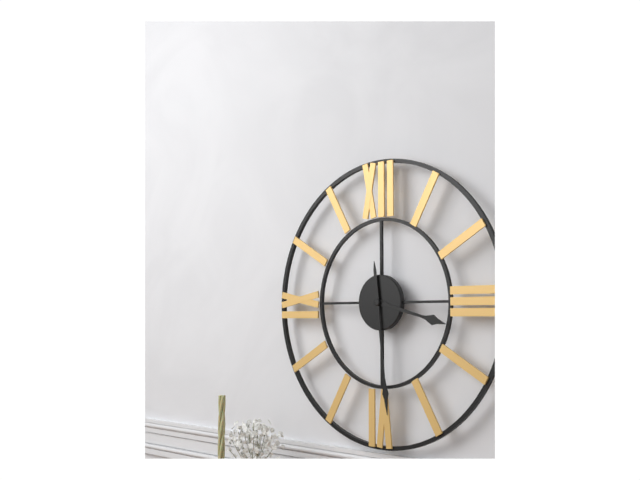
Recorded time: 3.29
